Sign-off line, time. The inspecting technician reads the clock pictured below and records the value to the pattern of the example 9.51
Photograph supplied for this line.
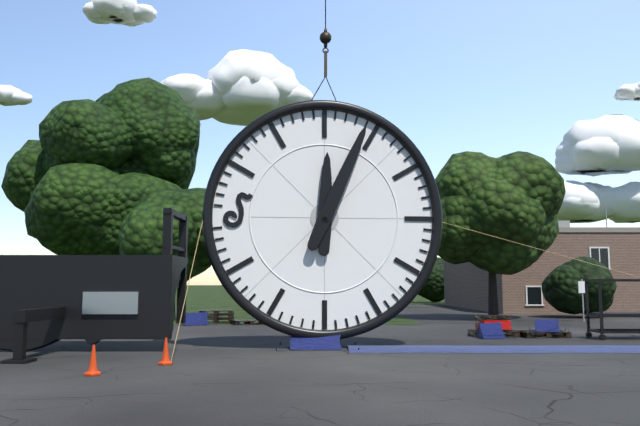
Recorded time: 12.04
